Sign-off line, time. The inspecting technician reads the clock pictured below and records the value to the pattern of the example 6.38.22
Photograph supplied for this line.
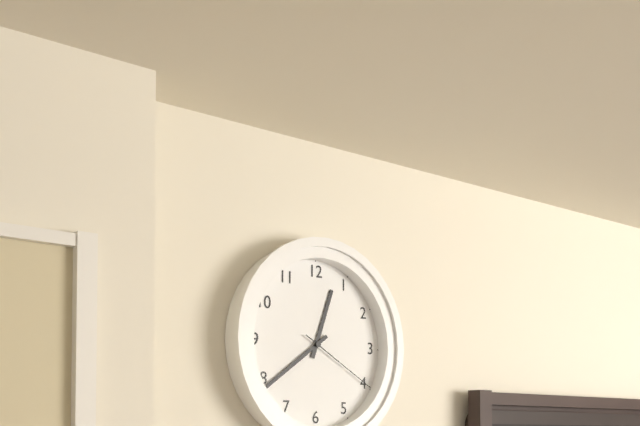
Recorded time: 12.39.20
